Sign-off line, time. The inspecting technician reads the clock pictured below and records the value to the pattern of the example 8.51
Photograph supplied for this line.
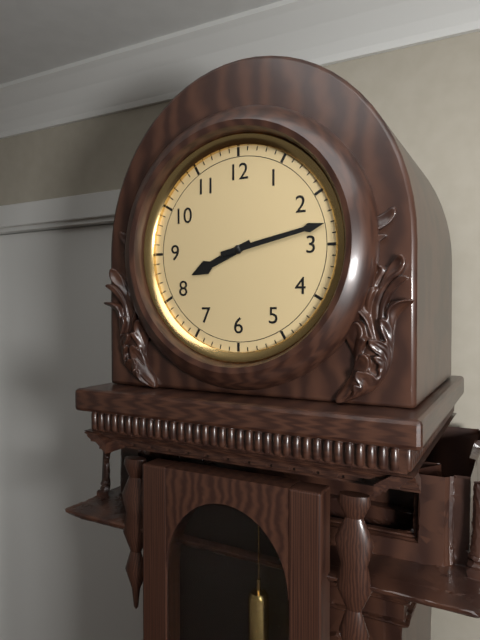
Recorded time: 8.13
